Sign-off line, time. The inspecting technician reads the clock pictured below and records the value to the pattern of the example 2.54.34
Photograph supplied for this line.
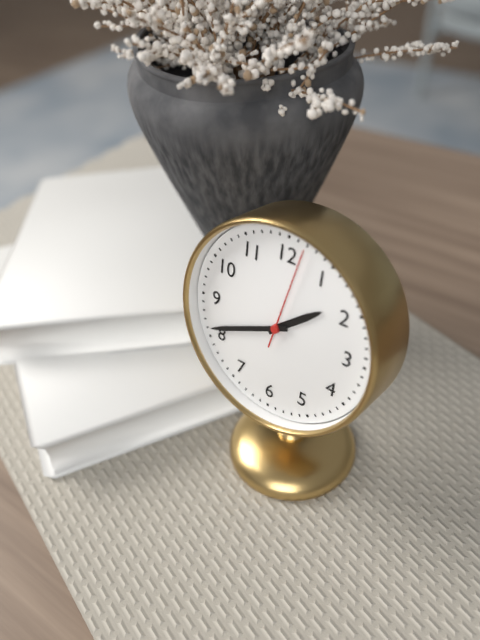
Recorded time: 1.41.02
